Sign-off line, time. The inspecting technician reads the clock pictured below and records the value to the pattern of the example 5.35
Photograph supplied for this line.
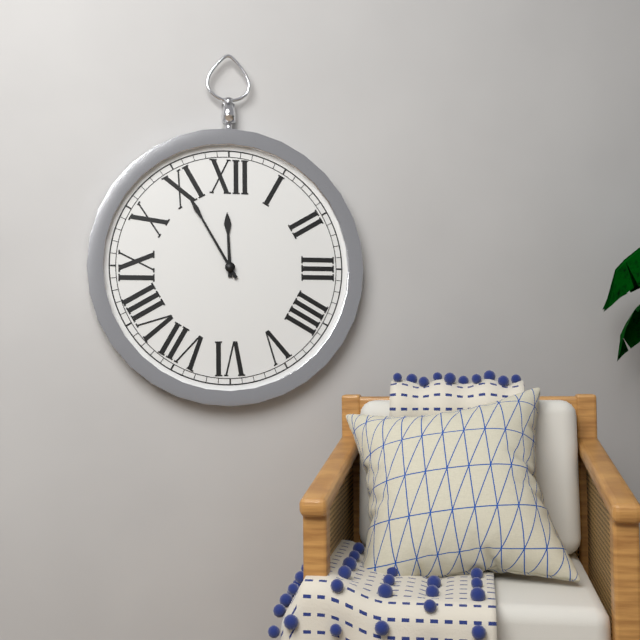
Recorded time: 11.55
